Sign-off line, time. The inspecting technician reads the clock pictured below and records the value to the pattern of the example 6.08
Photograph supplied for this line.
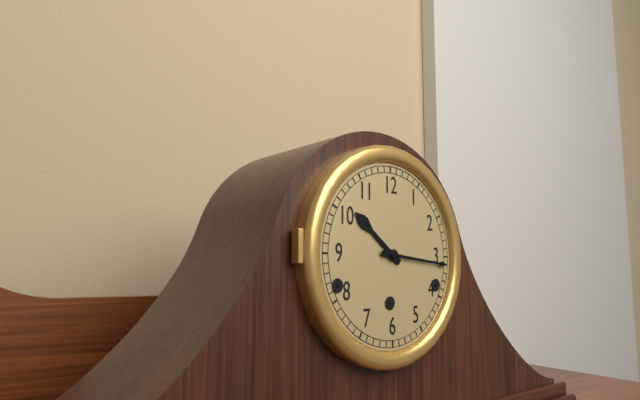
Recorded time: 10.16
